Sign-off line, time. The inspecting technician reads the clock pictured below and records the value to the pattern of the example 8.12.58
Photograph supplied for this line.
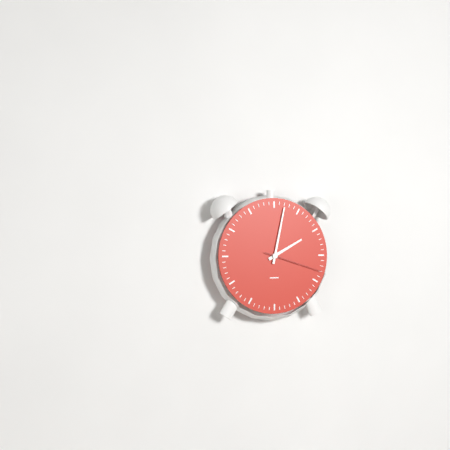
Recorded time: 2.02.18
